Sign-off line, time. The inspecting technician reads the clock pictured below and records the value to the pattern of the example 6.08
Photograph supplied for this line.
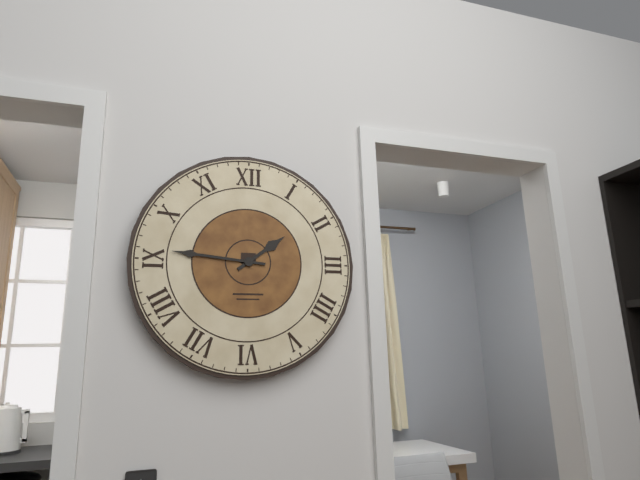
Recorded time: 1.46
